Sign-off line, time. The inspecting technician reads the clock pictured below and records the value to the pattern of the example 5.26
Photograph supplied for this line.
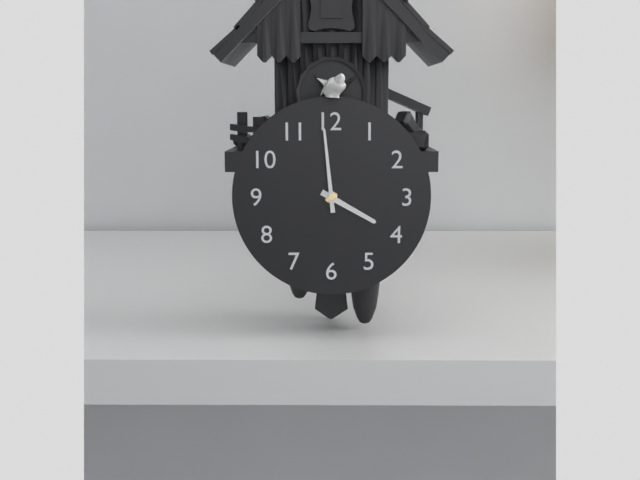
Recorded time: 3.59
